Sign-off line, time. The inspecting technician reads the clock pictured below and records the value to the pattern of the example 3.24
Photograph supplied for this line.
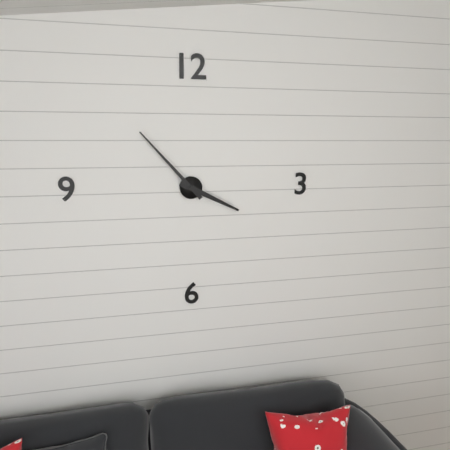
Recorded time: 3.53
